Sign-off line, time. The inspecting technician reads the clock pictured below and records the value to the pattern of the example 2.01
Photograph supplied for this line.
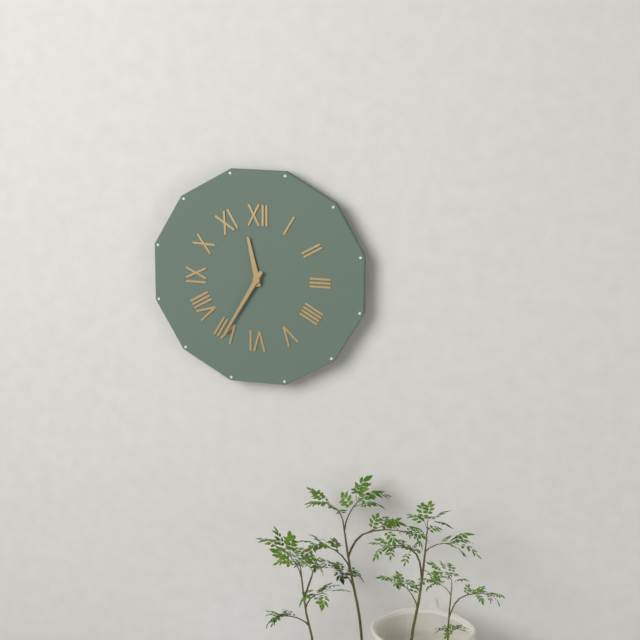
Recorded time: 11.35
